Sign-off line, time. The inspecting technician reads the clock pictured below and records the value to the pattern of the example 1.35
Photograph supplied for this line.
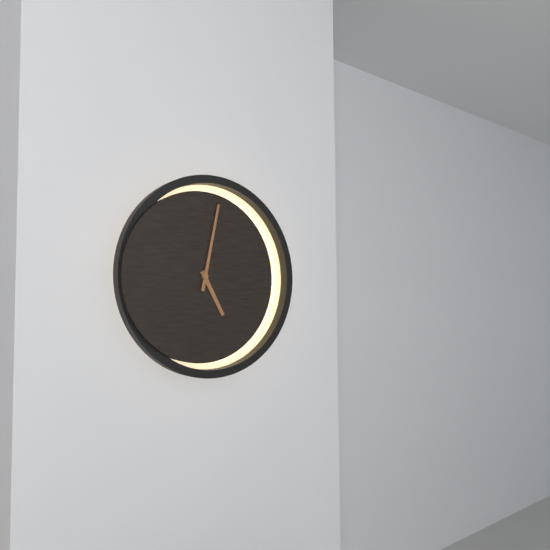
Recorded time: 5.02
